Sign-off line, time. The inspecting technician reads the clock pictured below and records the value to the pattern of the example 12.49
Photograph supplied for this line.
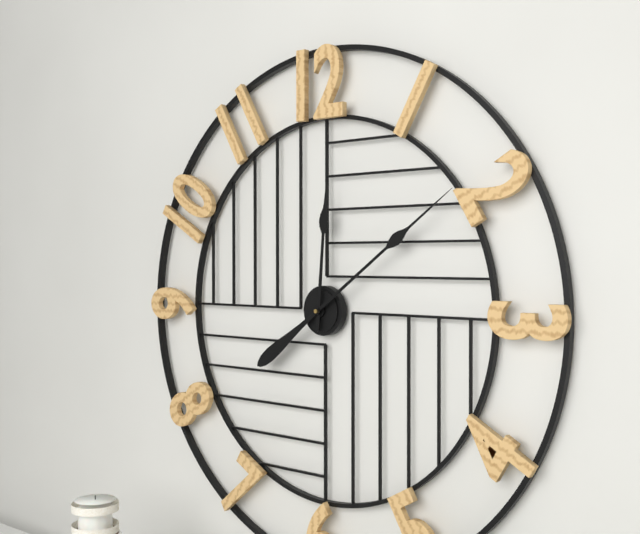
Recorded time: 12.09
